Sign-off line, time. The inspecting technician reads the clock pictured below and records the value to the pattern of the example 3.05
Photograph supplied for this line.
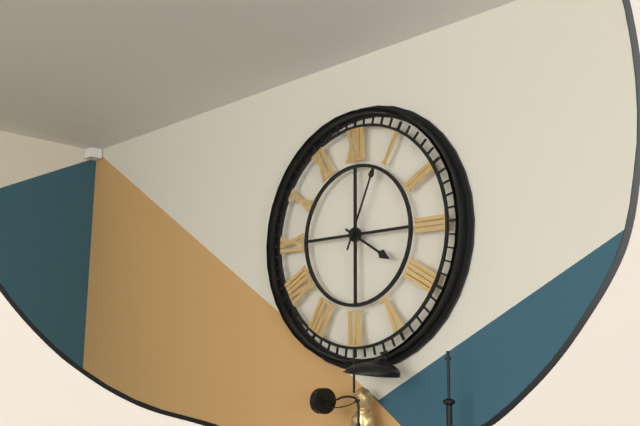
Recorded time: 4.04
